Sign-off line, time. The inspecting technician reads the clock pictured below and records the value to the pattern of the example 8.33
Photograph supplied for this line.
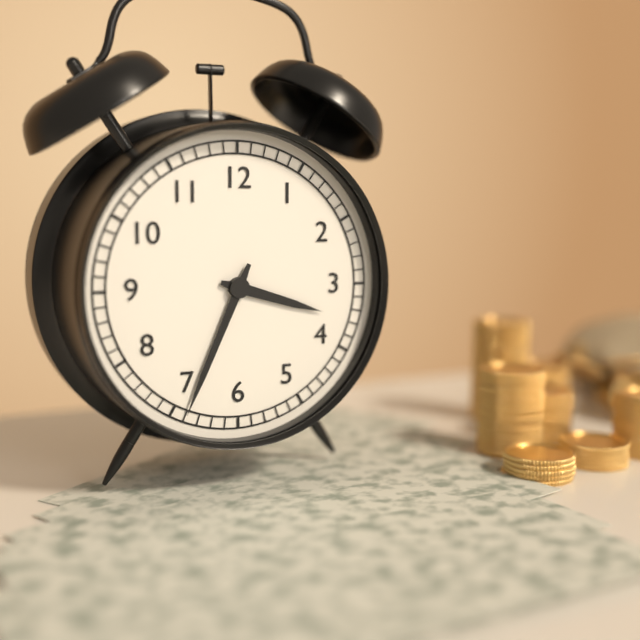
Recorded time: 3.34
